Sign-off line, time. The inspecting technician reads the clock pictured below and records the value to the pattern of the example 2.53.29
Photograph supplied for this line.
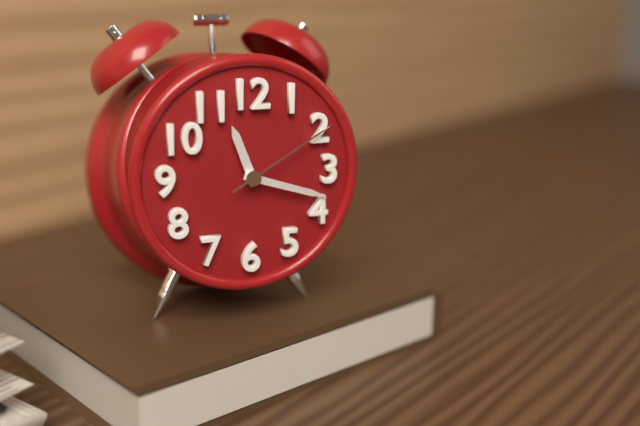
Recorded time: 11.18.10
